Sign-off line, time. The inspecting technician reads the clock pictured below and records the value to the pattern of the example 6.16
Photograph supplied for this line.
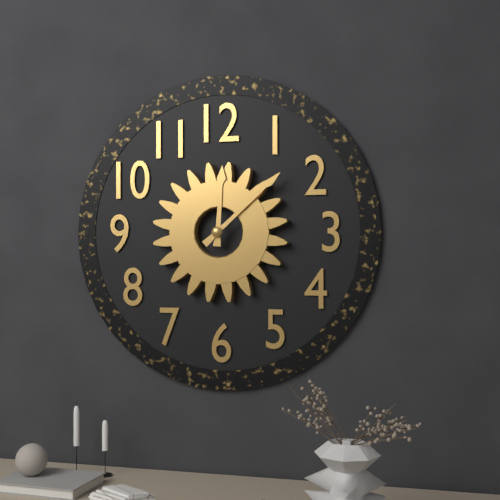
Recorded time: 12.08
